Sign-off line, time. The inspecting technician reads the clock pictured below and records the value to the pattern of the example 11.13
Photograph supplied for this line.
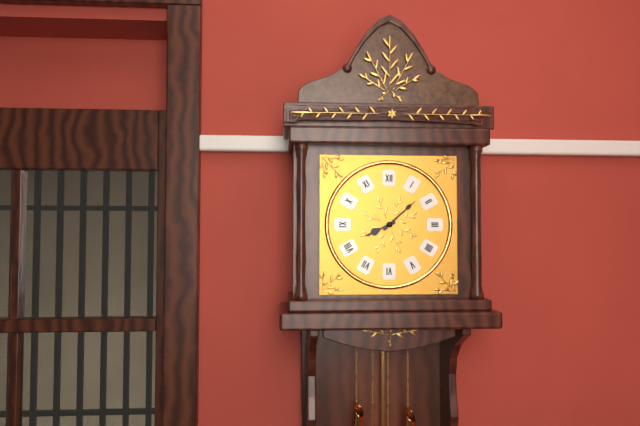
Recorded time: 8.08
